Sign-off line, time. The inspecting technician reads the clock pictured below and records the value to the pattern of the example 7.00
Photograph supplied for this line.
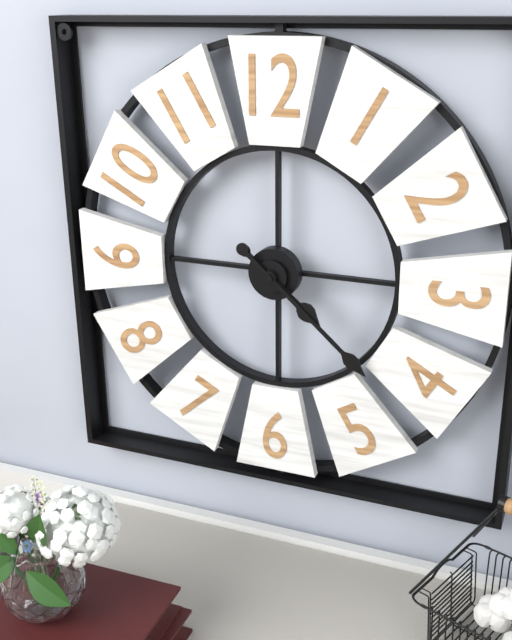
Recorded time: 4.22
